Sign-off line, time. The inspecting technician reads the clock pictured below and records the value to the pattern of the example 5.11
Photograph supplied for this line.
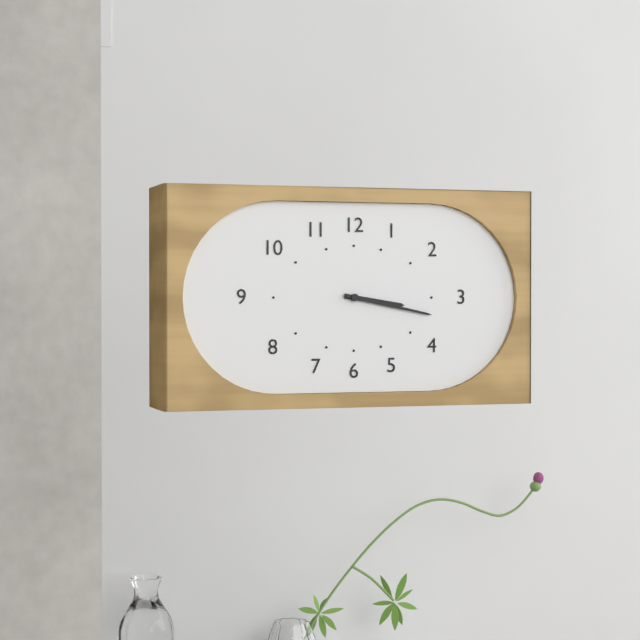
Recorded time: 3.17
